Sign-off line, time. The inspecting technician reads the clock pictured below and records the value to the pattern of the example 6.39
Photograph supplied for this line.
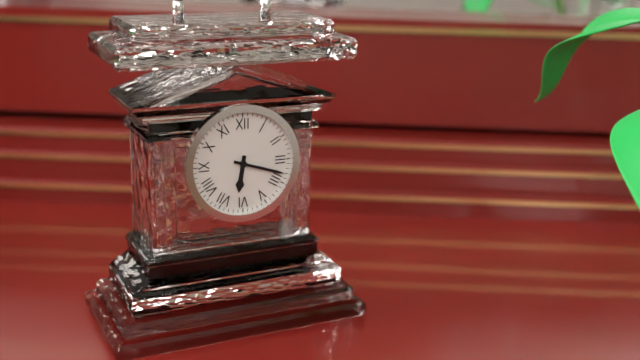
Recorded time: 6.18
